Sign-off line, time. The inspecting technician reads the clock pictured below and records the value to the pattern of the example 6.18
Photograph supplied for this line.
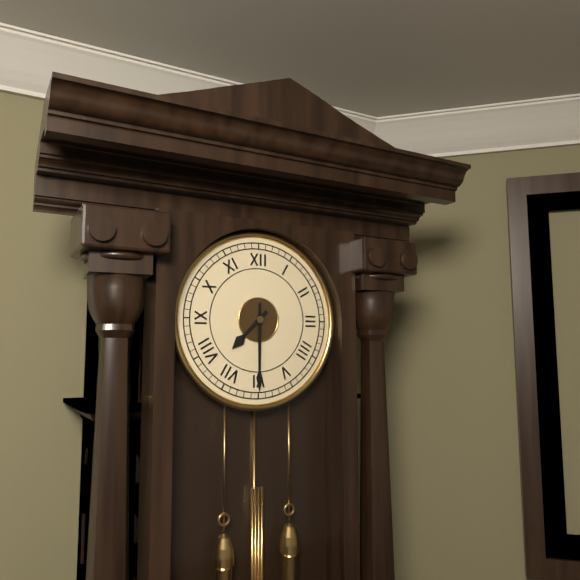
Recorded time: 7.30
